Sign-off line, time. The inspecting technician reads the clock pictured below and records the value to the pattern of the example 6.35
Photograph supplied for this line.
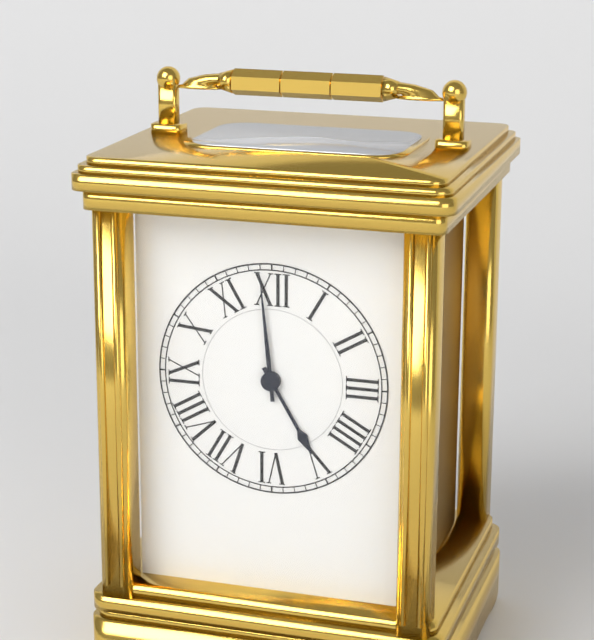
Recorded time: 4.59
